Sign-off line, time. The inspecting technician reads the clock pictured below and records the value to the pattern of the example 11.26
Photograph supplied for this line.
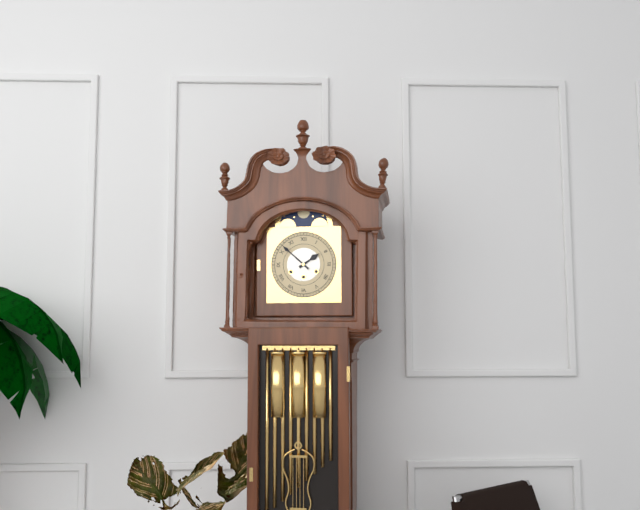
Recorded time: 1.52
